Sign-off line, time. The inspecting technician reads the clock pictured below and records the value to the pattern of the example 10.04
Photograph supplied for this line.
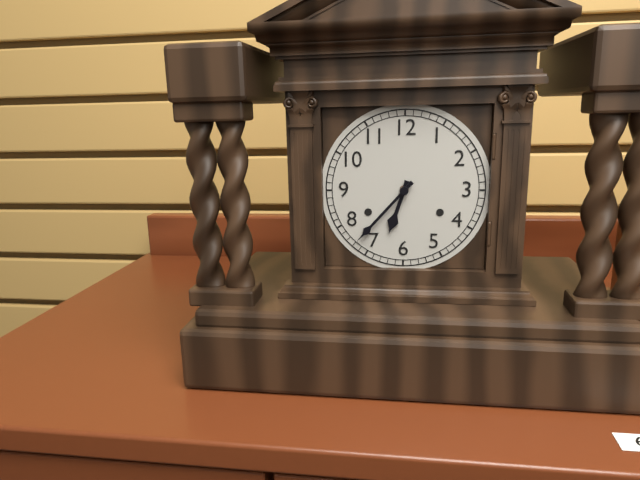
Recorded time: 6.37
